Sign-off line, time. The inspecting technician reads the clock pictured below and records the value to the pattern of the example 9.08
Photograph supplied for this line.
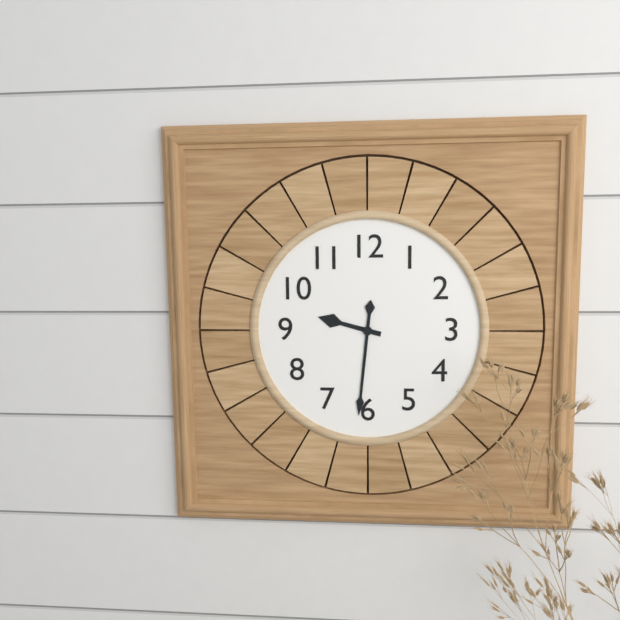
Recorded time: 9.31
